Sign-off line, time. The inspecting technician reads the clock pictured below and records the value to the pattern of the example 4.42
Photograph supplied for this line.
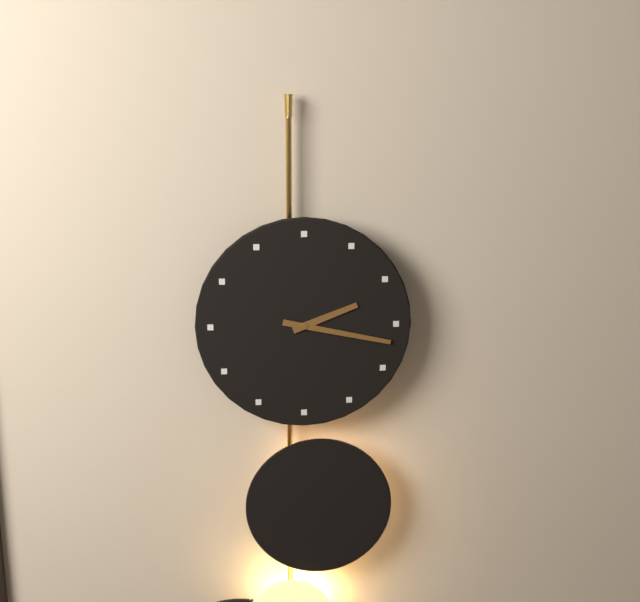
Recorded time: 2.17
